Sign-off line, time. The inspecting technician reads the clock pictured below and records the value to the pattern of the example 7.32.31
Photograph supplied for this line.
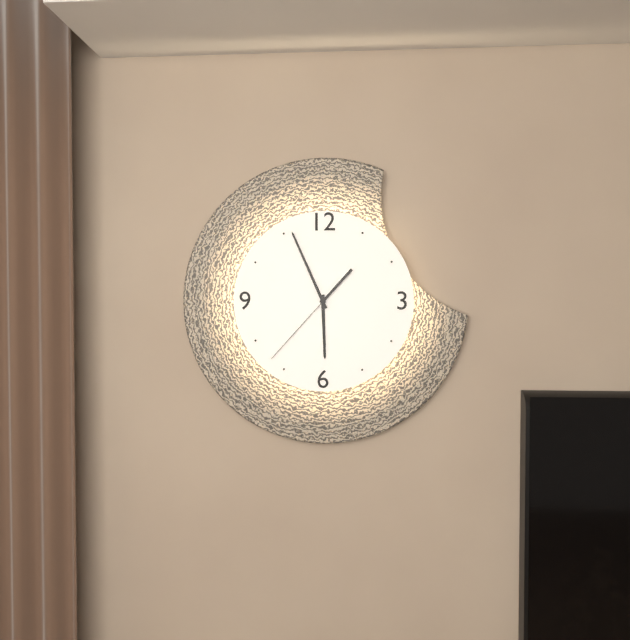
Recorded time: 5.56.37
